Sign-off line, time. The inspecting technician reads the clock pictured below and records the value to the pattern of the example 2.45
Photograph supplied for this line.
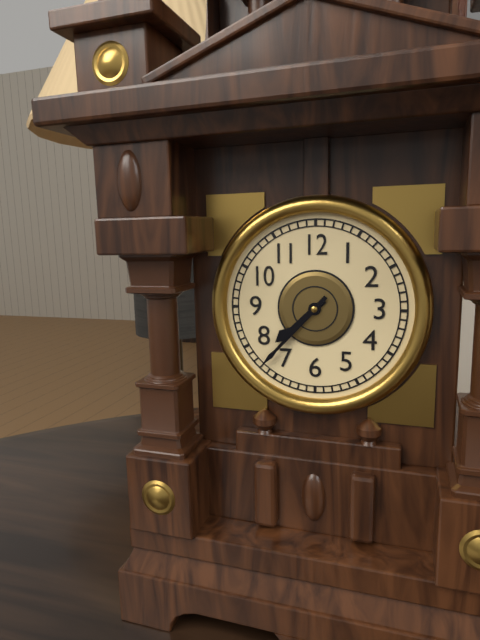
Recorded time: 7.37
